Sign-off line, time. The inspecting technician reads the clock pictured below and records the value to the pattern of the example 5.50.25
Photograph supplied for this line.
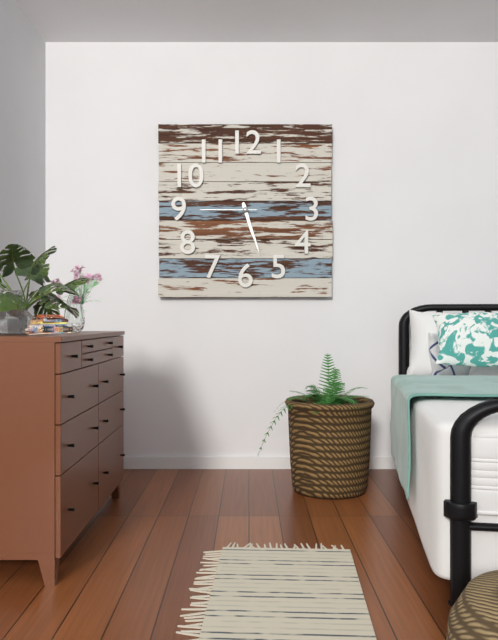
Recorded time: 5.27.45
